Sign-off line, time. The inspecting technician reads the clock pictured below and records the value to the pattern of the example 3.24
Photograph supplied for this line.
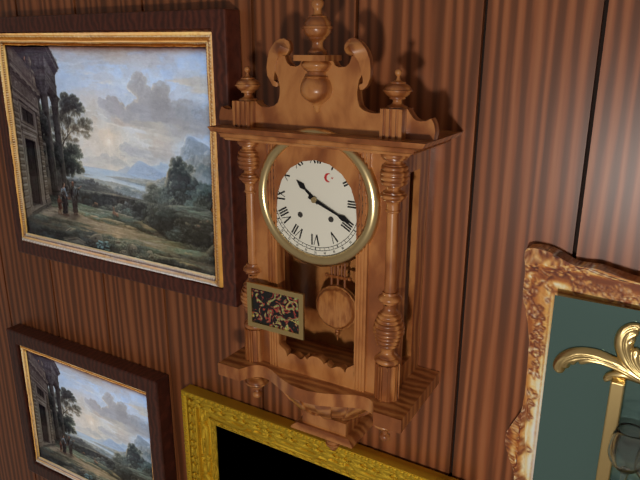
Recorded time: 10.19
